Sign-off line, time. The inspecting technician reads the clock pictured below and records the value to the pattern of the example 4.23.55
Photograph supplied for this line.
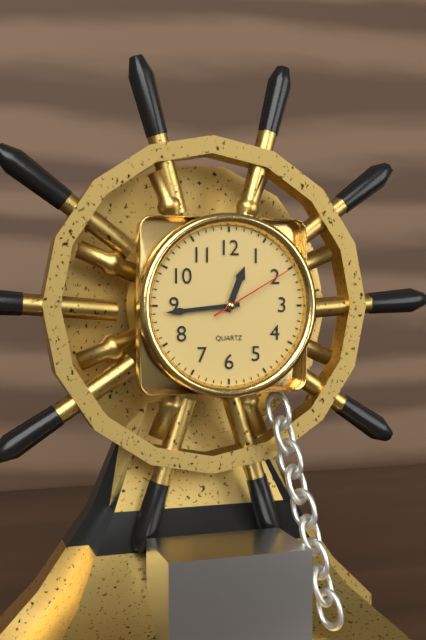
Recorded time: 12.44.10
